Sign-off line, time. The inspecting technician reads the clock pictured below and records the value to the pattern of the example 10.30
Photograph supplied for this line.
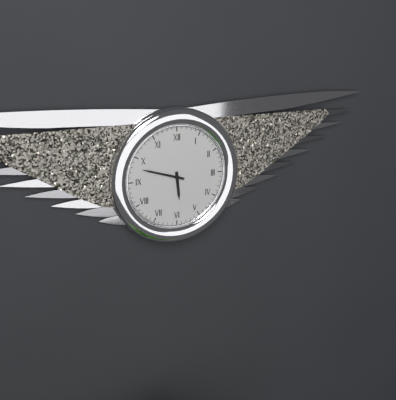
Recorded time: 5.48
